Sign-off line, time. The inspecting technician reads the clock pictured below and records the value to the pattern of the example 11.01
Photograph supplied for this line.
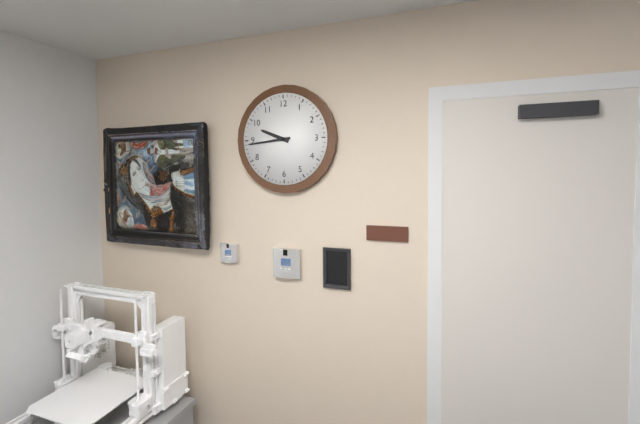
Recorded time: 9.44
